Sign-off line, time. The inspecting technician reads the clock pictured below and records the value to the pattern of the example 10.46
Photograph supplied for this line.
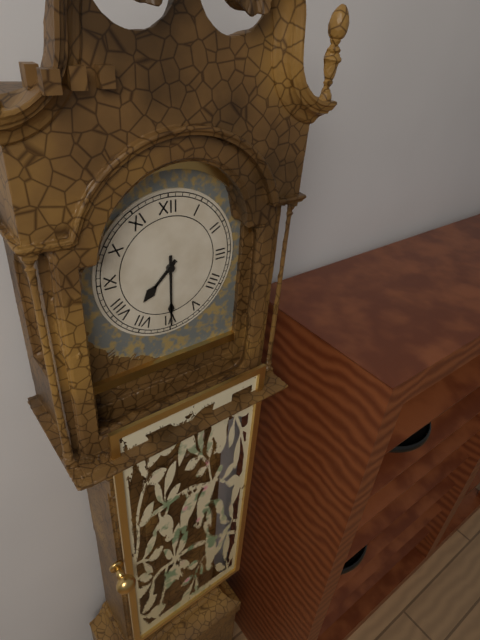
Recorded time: 7.30
